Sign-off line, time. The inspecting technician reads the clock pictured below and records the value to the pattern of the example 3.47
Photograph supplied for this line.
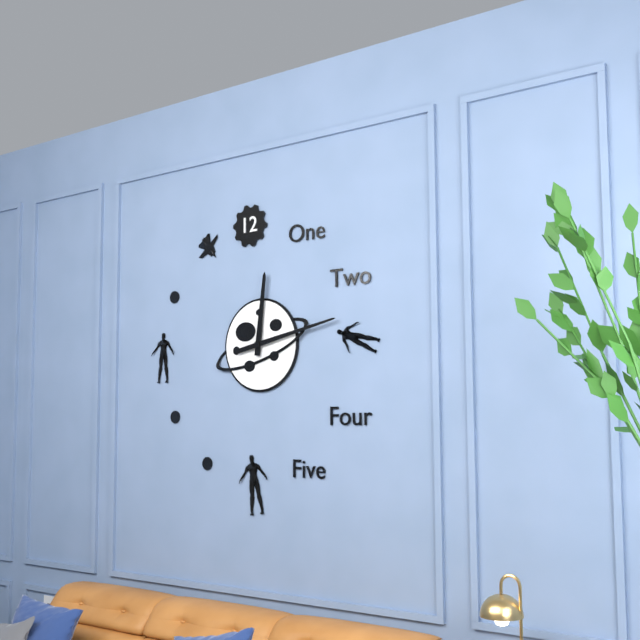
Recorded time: 12.13
